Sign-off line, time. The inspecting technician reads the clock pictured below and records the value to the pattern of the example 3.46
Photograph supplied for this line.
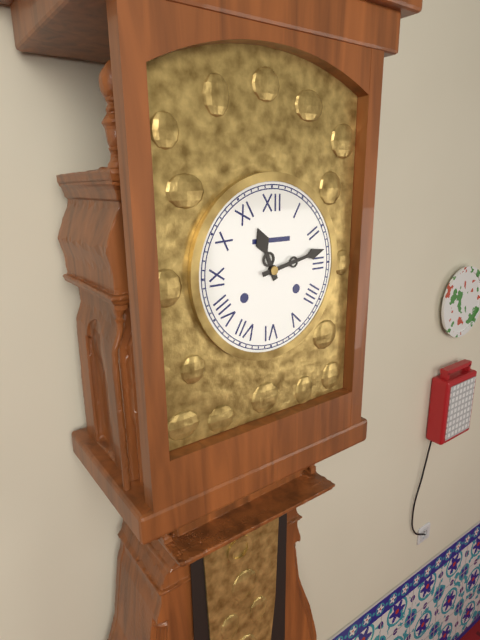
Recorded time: 11.13
